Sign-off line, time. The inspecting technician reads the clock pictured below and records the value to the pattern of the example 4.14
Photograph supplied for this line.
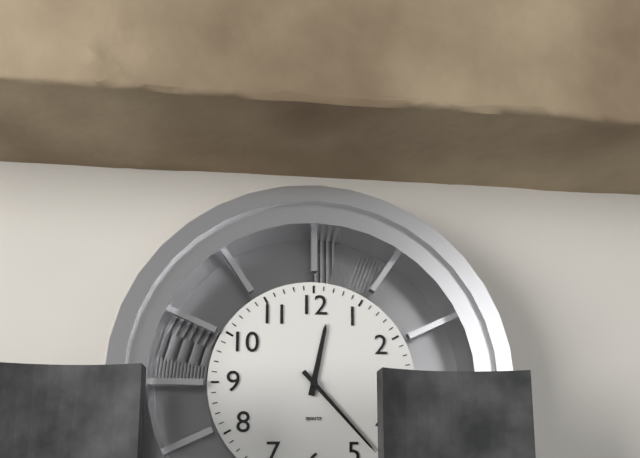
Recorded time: 12.23
